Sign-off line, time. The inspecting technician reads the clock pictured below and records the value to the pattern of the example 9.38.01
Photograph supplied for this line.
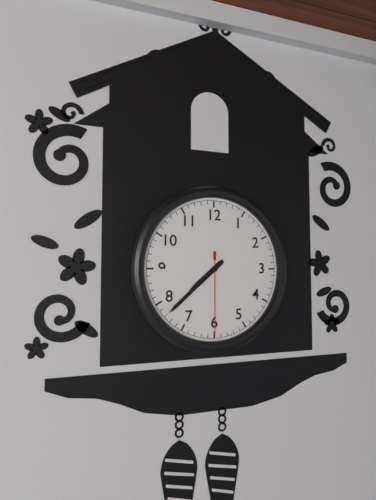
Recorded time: 7.38.30
